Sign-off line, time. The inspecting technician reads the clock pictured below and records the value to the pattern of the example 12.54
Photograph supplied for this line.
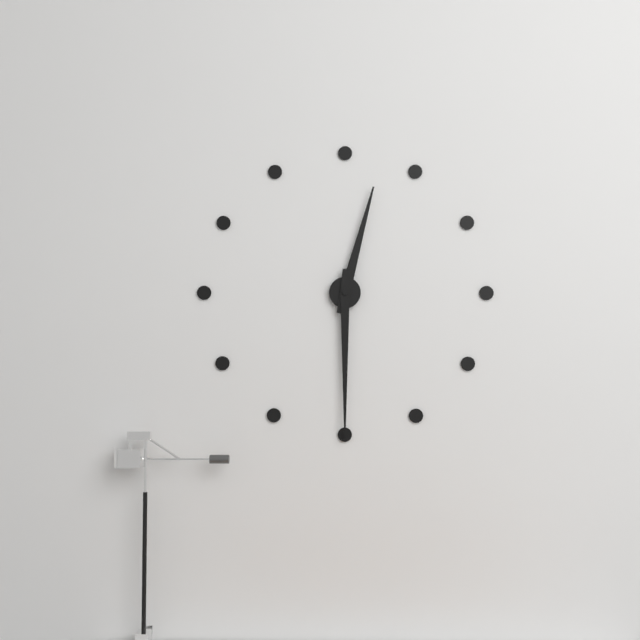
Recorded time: 12.30
